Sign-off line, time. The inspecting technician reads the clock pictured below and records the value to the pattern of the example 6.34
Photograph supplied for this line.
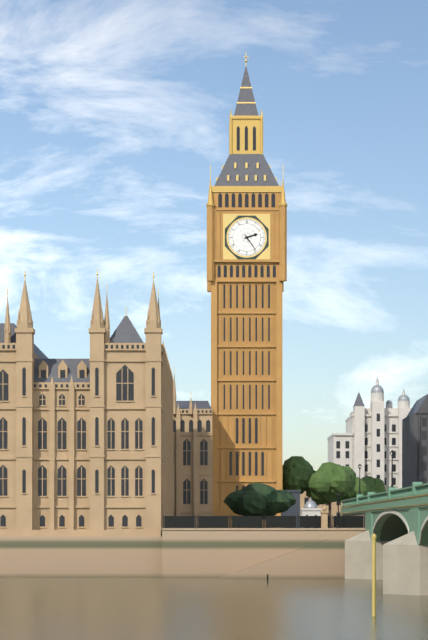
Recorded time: 2.24
